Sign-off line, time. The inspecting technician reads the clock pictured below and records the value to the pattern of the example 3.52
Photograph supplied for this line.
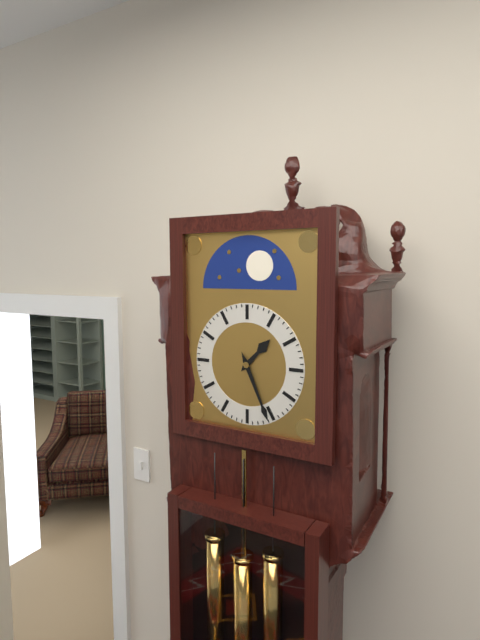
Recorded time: 1.26
